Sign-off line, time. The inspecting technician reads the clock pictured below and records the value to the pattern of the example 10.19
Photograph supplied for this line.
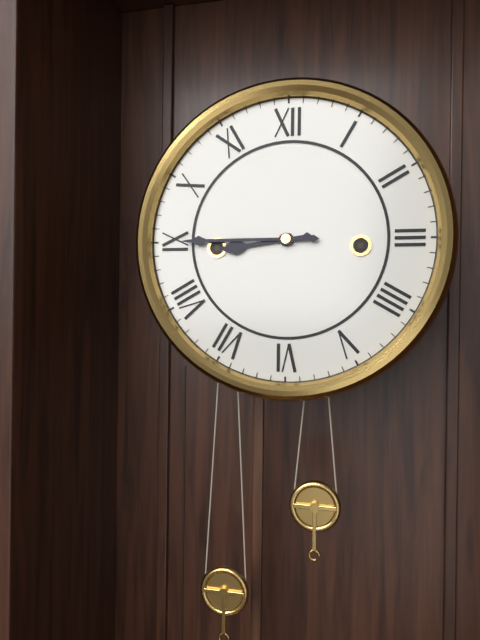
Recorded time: 8.45
